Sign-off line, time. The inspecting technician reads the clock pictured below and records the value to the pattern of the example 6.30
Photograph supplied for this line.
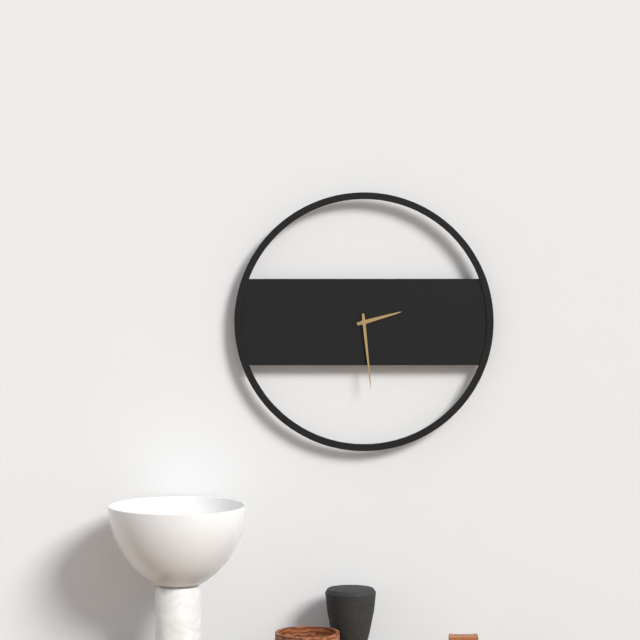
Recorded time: 2.29
